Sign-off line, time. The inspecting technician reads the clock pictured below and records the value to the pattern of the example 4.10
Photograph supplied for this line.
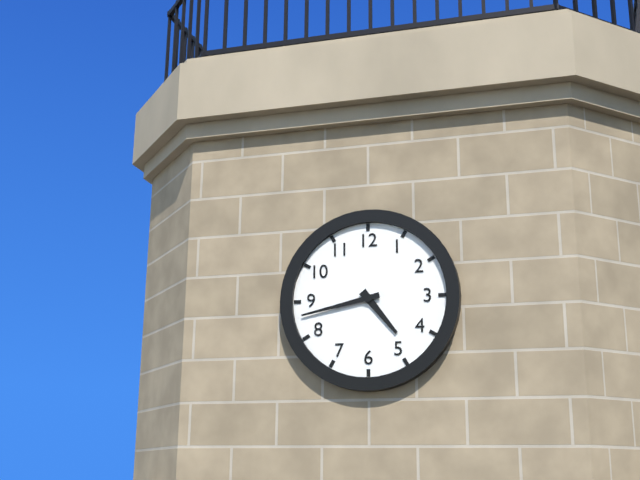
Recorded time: 4.43
